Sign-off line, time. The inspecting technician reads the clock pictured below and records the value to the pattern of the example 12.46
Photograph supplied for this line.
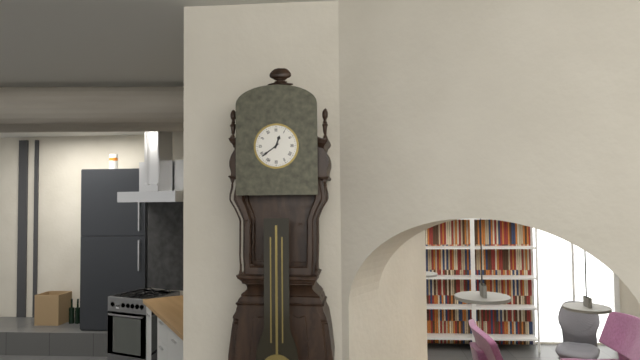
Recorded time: 12.39
